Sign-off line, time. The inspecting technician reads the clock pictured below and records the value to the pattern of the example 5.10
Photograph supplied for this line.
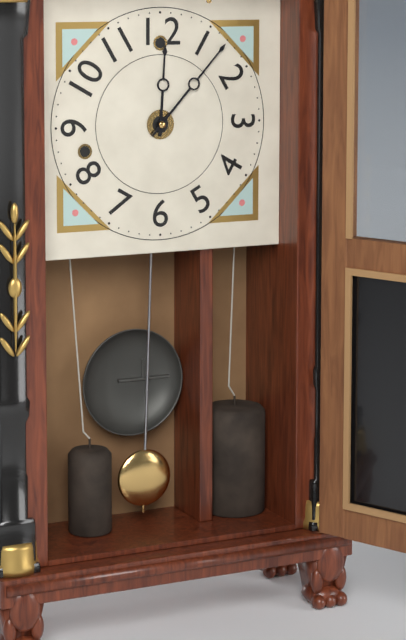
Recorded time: 12.07
